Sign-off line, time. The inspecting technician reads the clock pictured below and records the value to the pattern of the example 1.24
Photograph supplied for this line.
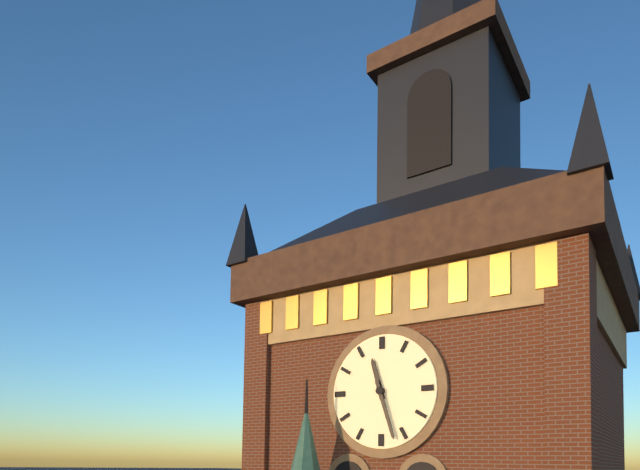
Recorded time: 11.27
